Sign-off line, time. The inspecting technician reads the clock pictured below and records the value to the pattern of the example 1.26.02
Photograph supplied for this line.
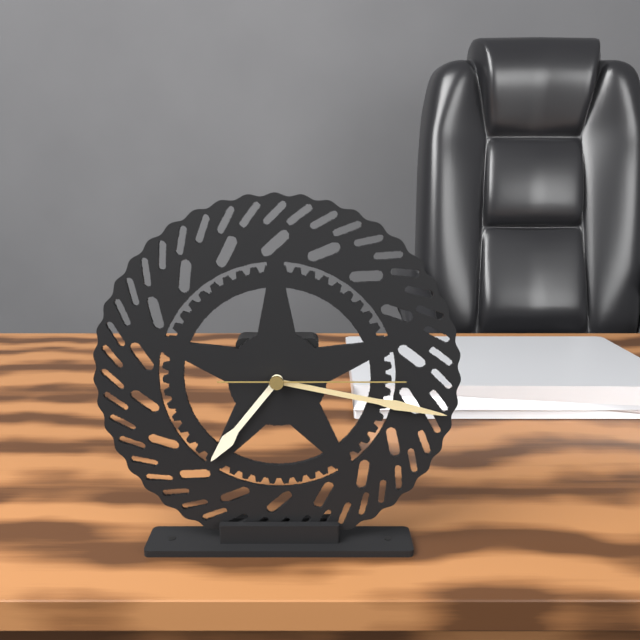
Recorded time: 7.17.15
